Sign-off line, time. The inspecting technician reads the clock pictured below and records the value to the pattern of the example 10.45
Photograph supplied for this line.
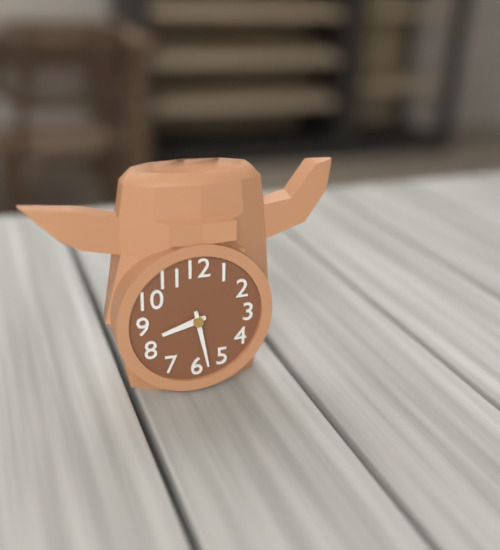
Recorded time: 8.28
